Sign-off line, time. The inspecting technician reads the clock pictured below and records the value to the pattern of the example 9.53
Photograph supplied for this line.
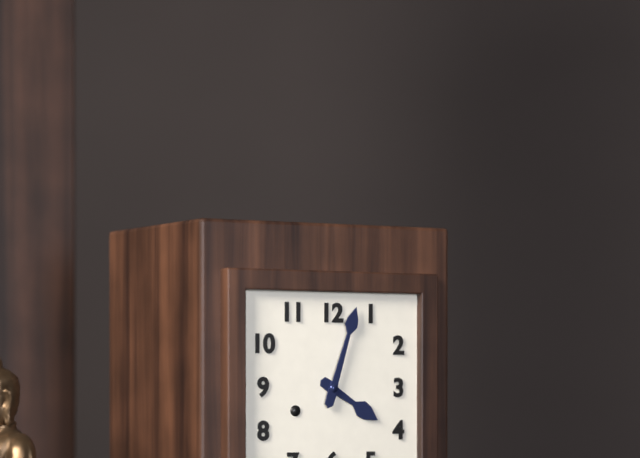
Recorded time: 4.03
